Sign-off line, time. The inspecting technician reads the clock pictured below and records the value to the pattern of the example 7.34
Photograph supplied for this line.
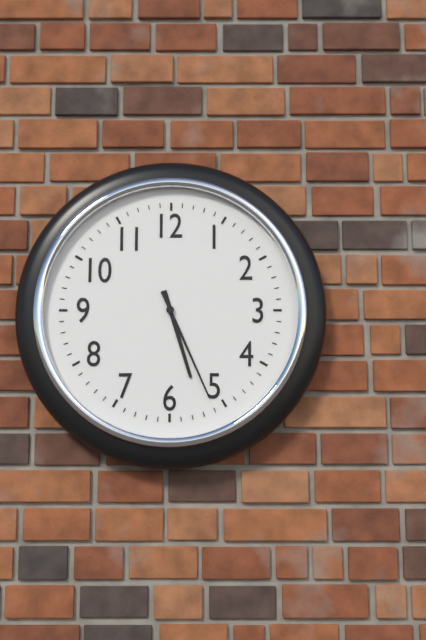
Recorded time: 5.26
